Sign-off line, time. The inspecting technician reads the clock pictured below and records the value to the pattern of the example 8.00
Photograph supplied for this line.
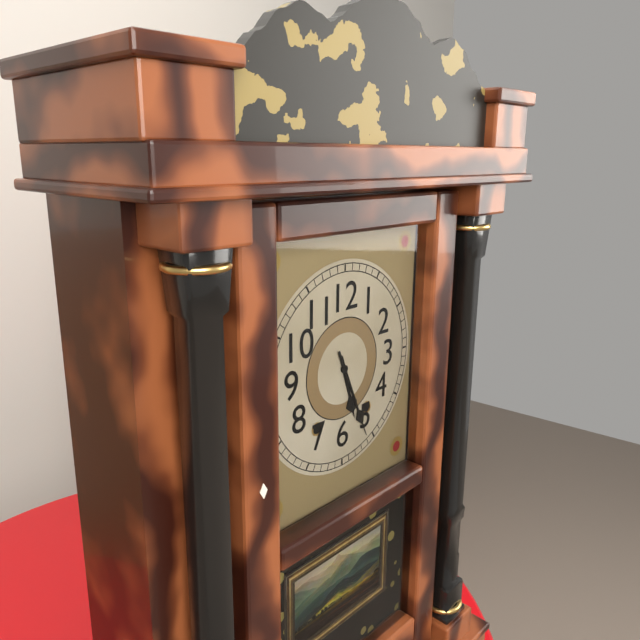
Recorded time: 5.26
